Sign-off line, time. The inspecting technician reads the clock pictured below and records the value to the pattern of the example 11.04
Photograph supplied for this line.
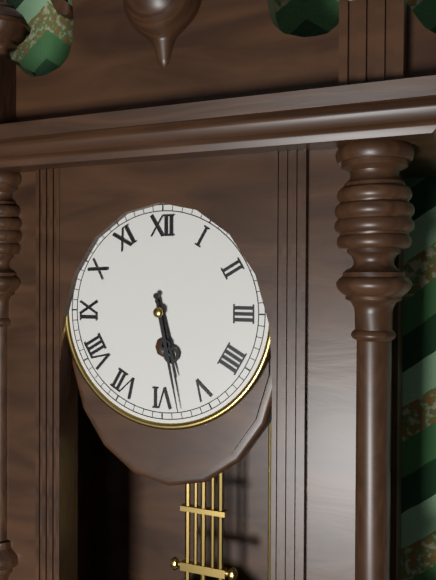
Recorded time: 5.28
